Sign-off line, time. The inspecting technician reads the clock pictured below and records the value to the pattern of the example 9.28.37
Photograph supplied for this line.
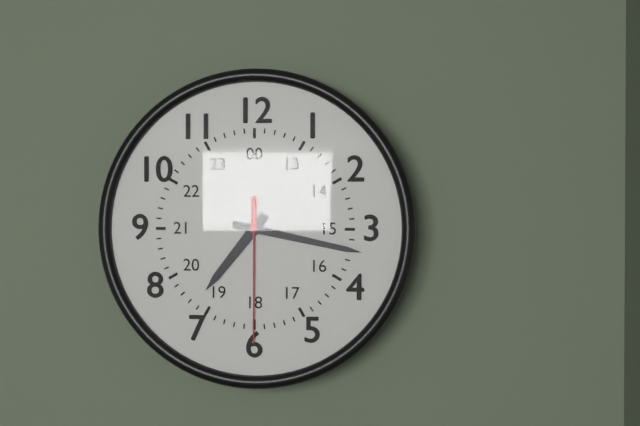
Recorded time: 7.17.30
